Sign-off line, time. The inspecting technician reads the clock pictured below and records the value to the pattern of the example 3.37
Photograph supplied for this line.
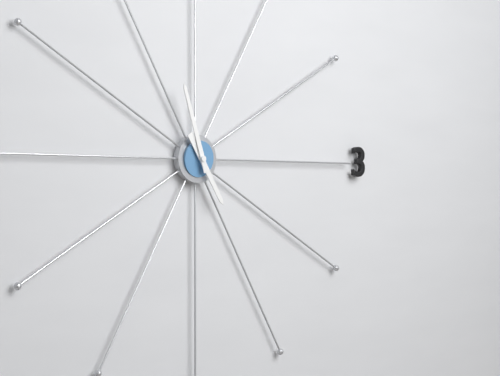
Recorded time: 4.57
